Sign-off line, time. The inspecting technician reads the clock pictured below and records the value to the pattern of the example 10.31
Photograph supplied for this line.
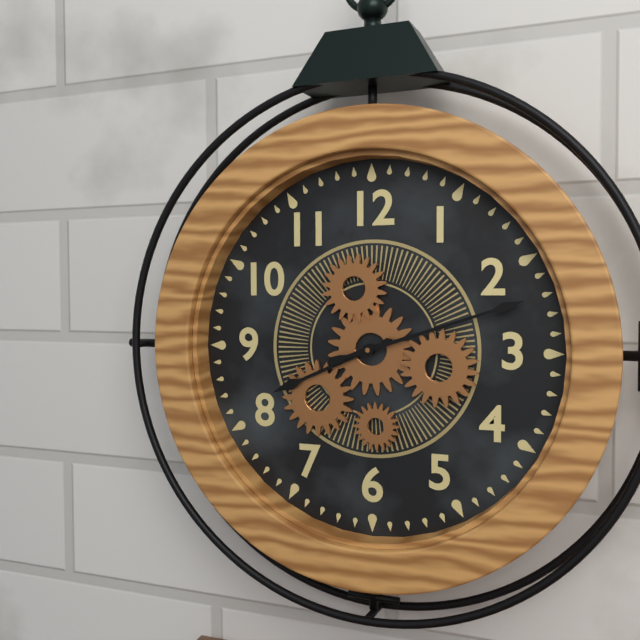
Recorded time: 8.12
